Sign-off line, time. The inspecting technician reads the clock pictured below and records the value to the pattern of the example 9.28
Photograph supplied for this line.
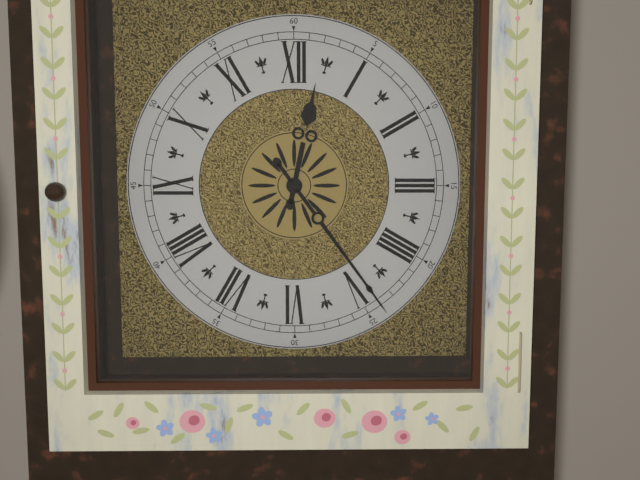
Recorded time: 12.24
